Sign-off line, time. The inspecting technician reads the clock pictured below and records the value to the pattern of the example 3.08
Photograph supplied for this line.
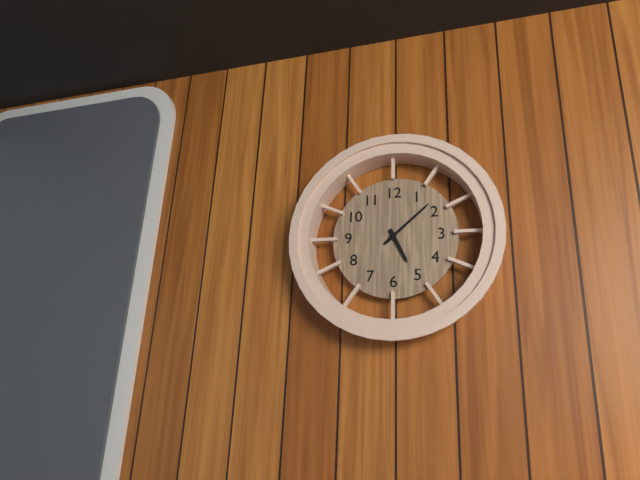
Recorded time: 5.08
